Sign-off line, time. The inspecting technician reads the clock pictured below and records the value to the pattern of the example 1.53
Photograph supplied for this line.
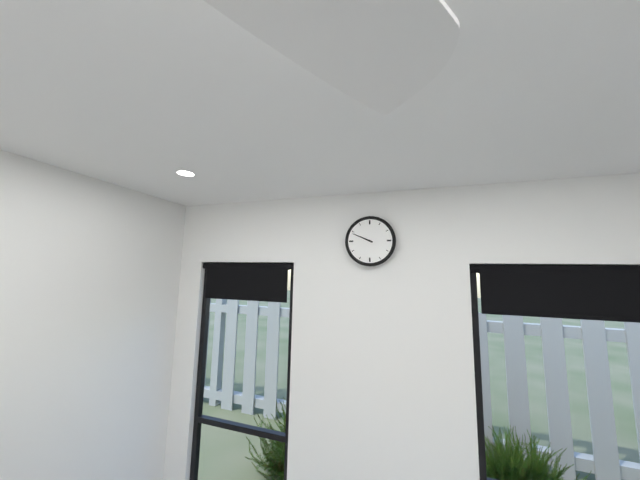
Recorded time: 9.49
